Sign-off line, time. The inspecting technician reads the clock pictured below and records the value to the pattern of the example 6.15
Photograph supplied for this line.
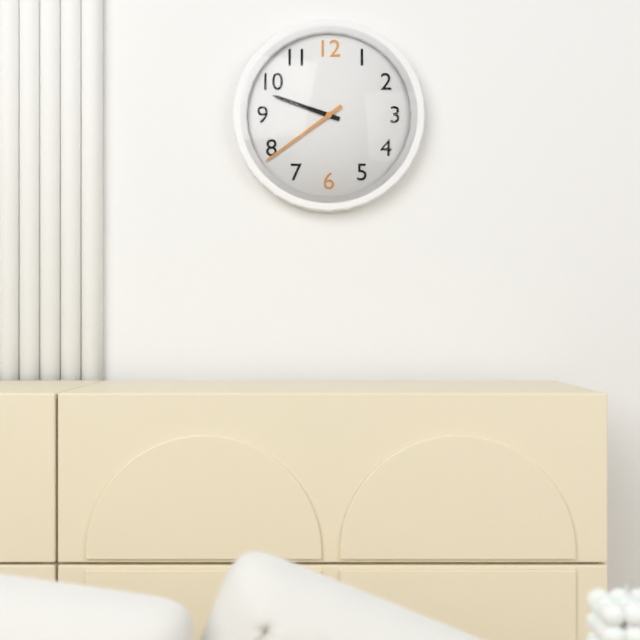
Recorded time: 9.39
